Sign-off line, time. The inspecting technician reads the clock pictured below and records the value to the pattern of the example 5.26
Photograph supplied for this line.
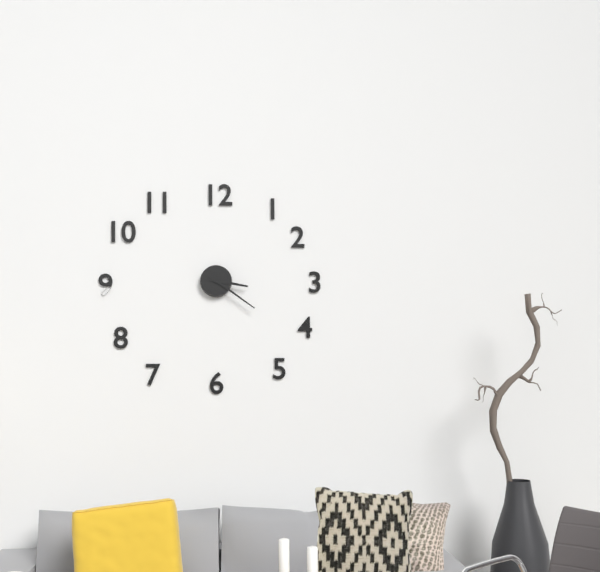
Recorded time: 3.21
